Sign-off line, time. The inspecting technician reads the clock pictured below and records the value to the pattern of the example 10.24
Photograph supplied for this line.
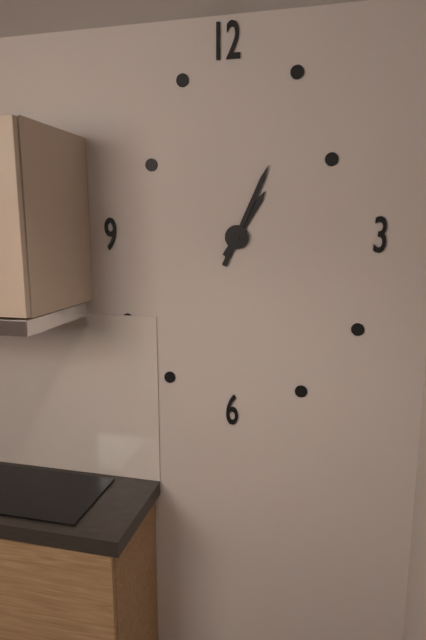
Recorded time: 1.04
